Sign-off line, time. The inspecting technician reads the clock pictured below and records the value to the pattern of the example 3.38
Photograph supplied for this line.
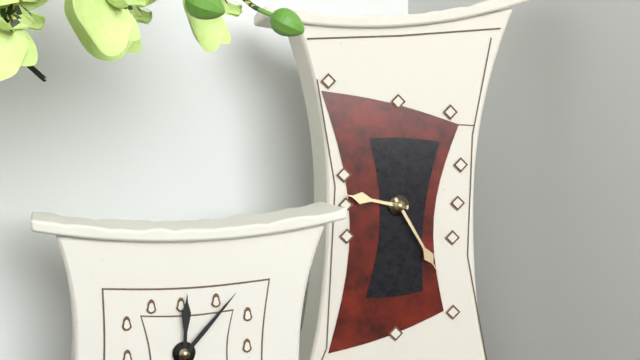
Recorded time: 9.25
